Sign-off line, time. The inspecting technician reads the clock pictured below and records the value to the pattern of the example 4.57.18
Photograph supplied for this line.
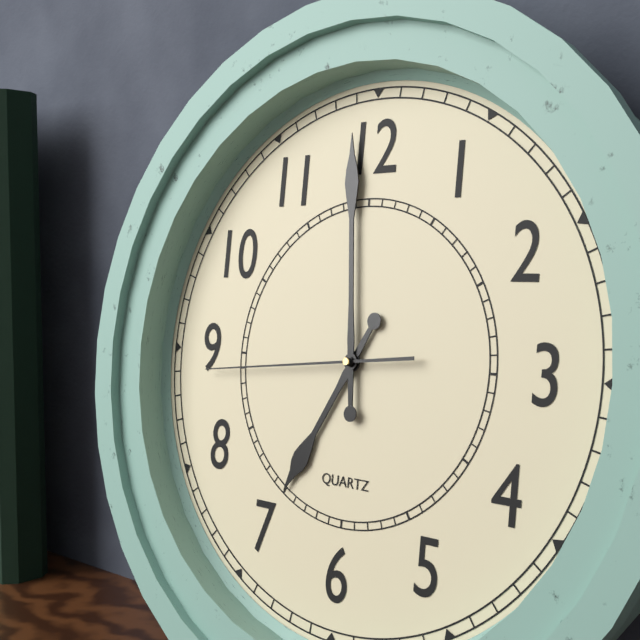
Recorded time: 6.59.44
